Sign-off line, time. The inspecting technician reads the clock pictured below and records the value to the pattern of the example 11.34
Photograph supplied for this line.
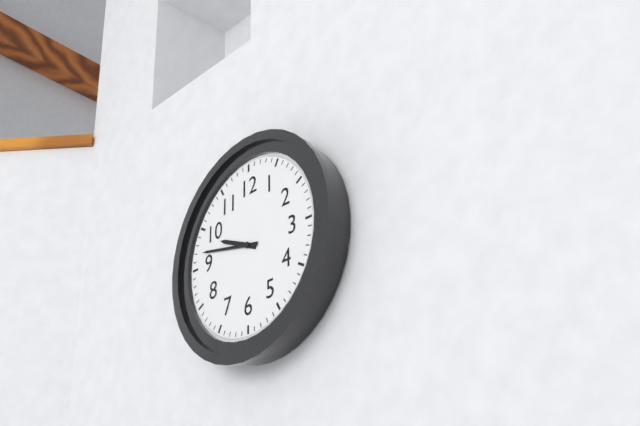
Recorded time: 9.47
